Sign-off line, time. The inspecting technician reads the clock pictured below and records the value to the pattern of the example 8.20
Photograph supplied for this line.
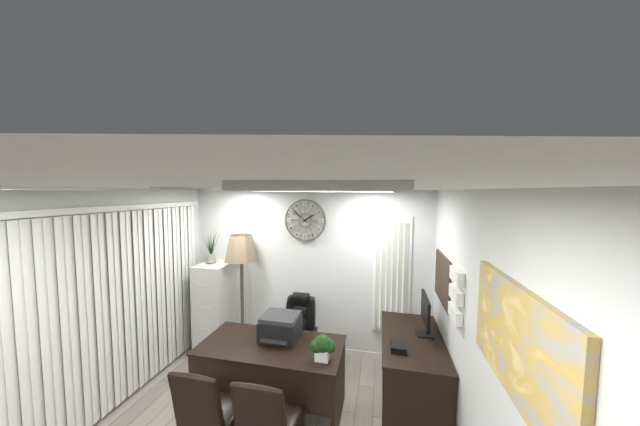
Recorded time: 1.52
